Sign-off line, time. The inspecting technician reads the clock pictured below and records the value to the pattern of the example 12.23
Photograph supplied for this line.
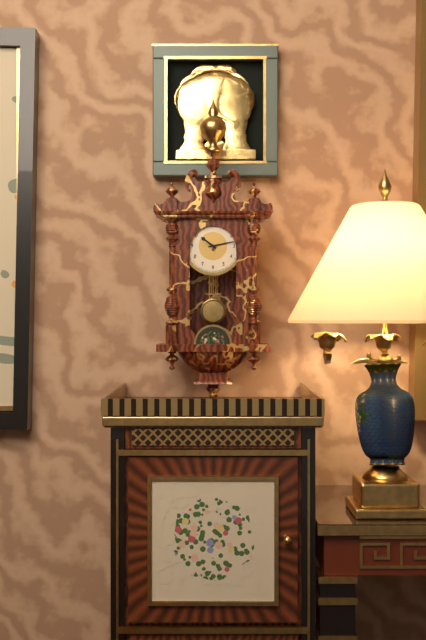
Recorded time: 10.13
